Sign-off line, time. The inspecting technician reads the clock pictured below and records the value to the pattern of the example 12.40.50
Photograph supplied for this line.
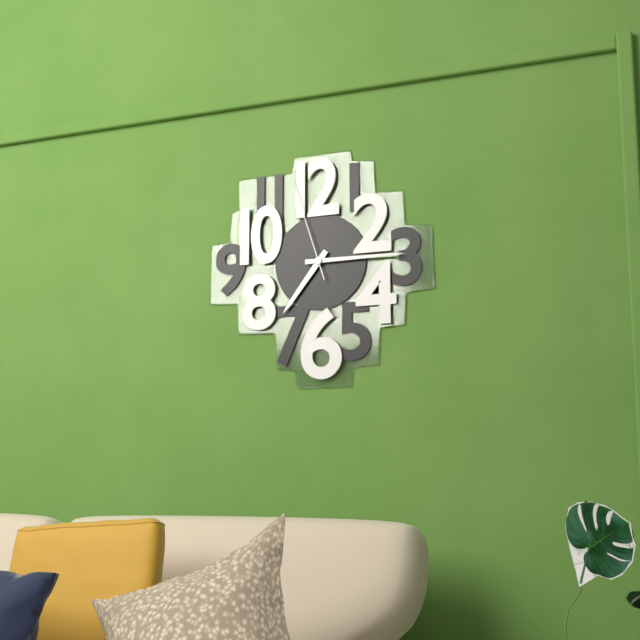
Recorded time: 7.15.57
